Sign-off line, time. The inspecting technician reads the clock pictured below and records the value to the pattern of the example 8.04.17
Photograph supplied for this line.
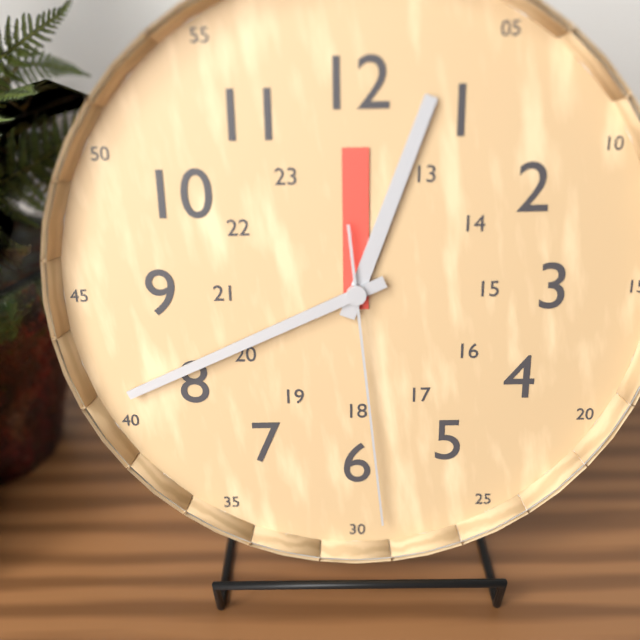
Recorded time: 12.41.29
